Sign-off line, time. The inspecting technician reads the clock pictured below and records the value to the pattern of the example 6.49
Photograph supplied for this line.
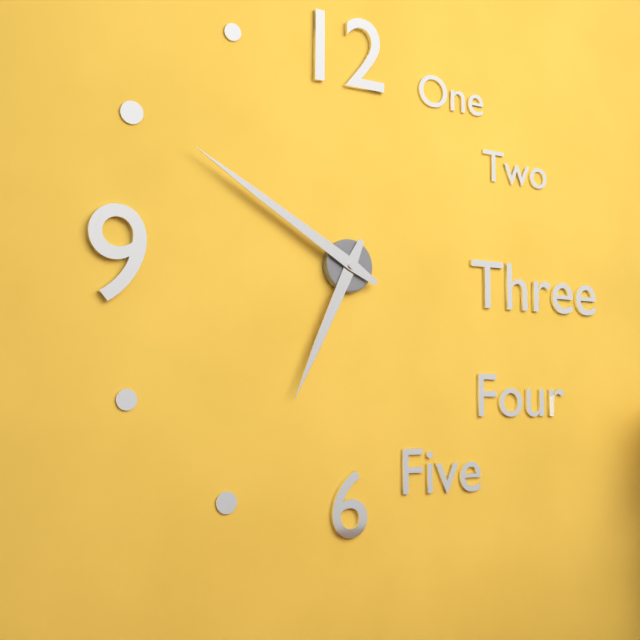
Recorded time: 6.50
